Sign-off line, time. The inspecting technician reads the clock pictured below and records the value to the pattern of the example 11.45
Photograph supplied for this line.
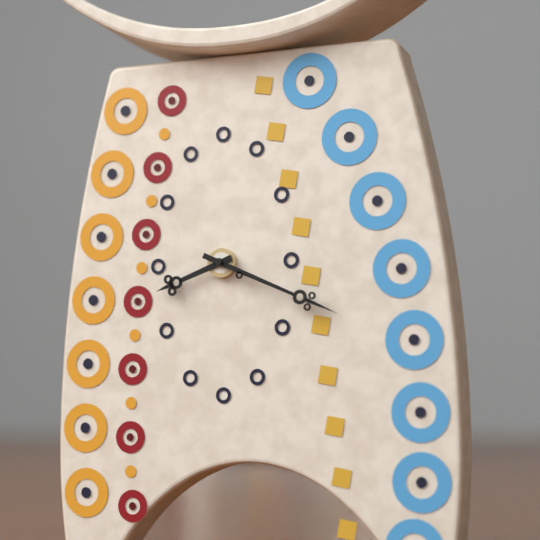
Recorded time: 8.19
